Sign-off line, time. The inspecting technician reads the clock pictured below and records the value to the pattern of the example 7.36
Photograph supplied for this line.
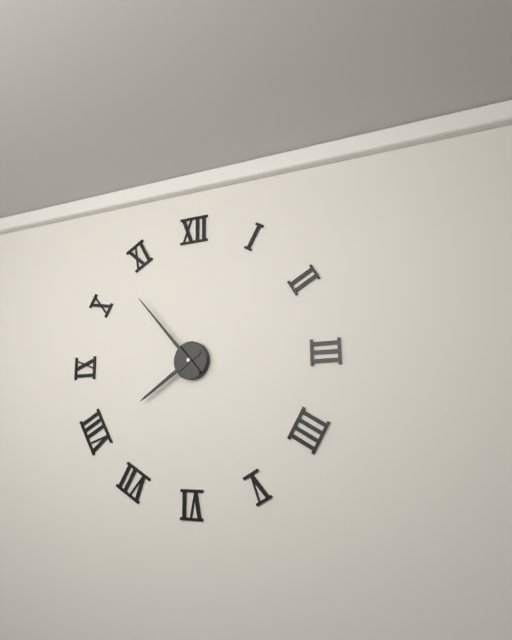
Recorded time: 7.53
